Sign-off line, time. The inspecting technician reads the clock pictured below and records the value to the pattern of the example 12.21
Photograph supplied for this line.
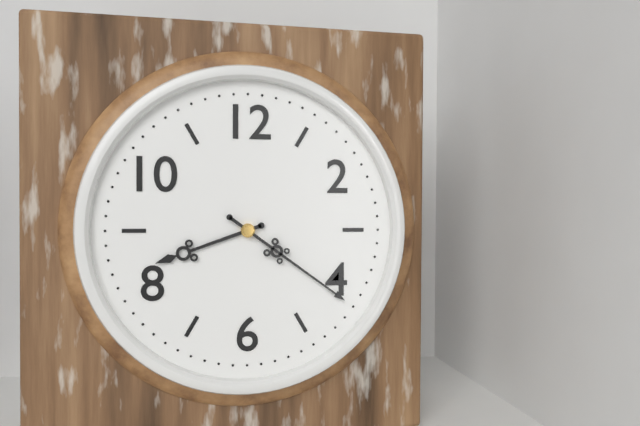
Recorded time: 8.21
